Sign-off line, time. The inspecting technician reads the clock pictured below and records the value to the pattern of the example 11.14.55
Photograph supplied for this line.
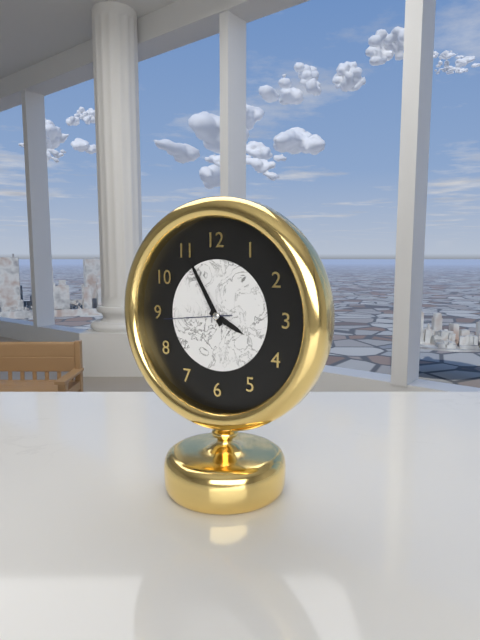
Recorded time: 3.55.44
